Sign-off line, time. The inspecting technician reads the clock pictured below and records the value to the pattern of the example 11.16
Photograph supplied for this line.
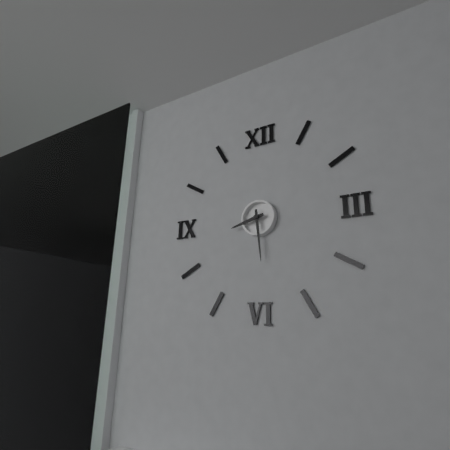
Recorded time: 8.29
